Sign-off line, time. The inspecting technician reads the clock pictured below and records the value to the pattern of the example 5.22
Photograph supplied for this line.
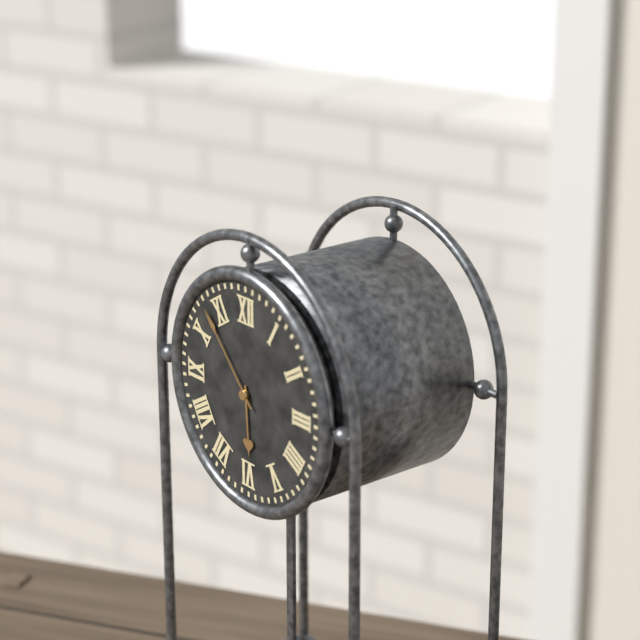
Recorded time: 5.53
